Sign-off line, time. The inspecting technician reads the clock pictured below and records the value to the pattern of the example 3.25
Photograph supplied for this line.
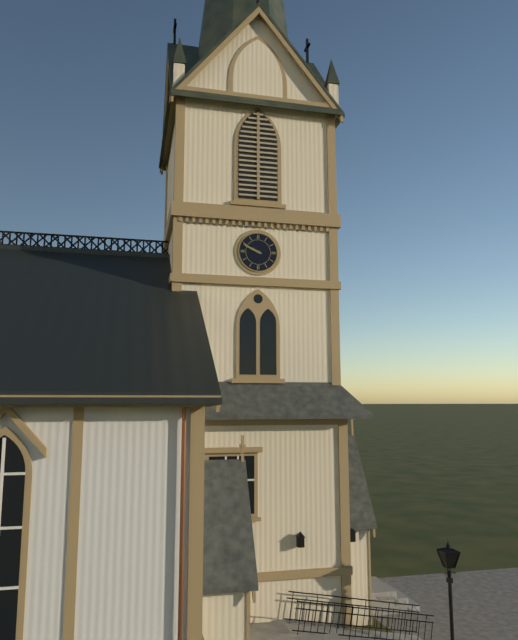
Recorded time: 9.49
